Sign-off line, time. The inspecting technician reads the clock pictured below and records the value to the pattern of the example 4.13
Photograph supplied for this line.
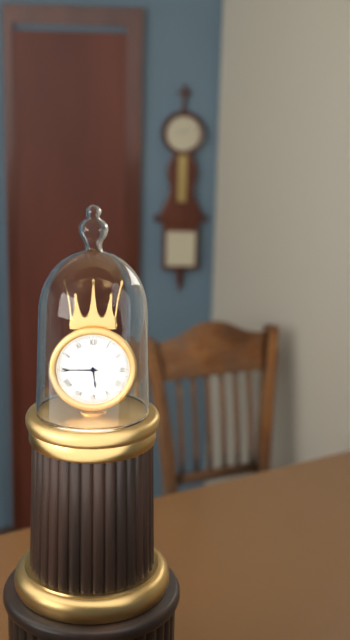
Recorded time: 5.45
